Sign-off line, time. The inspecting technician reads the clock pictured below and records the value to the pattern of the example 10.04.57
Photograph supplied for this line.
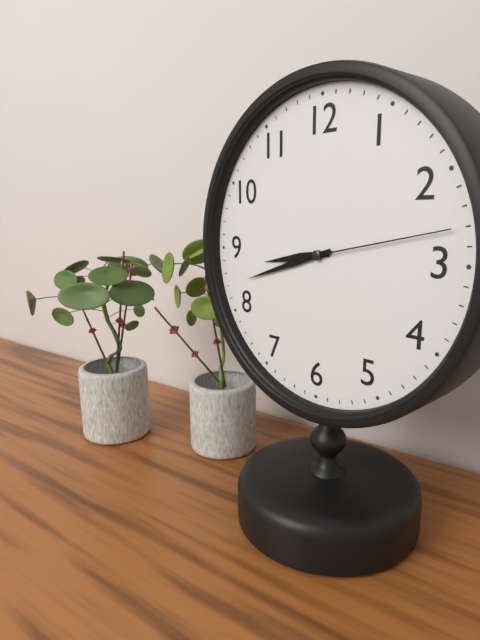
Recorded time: 8.42.13
